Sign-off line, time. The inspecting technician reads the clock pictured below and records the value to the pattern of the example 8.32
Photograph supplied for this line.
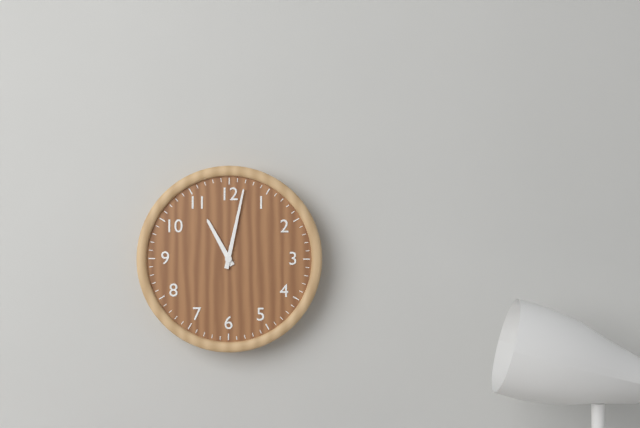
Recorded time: 11.02
